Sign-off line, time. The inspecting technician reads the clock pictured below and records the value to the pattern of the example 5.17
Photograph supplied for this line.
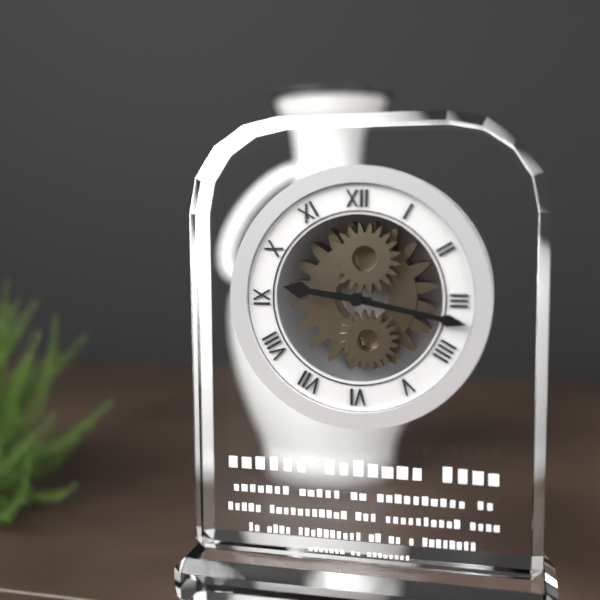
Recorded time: 9.17
